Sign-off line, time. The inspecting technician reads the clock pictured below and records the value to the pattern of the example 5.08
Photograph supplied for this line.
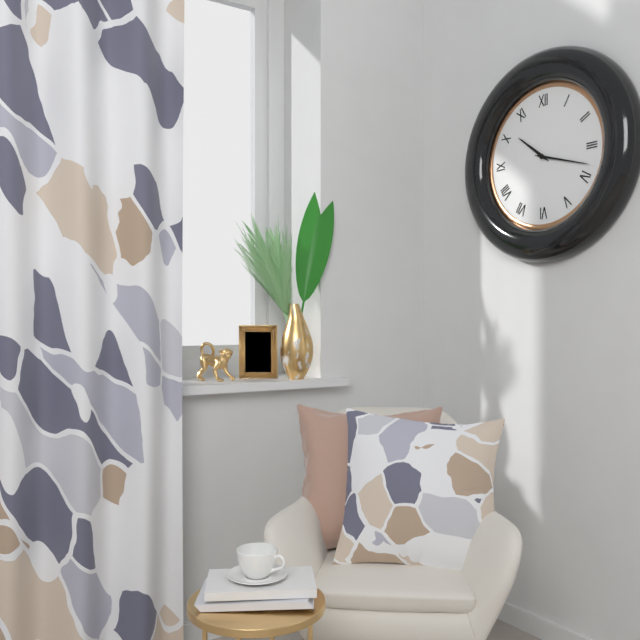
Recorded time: 10.18
